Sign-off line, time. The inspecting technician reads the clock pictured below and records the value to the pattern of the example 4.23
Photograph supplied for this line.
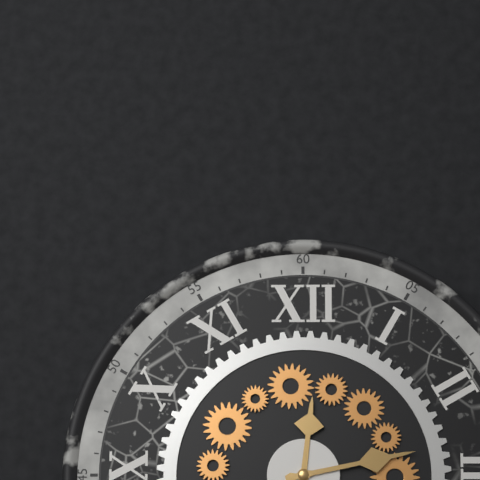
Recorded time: 12.13
